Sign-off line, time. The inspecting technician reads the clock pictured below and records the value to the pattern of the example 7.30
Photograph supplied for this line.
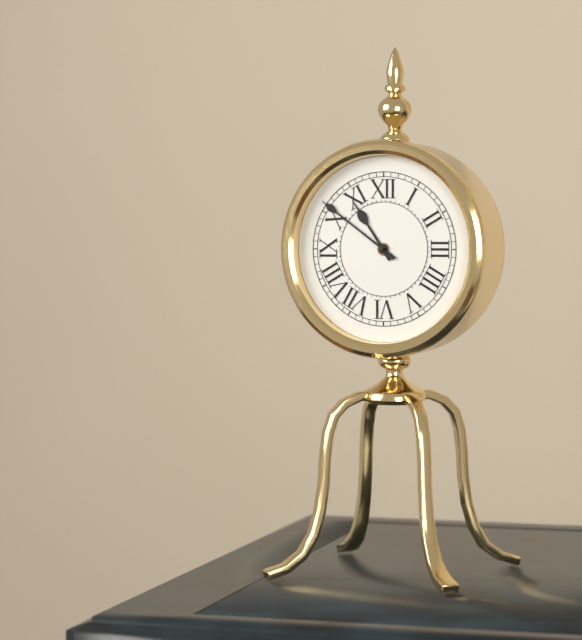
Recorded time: 10.51
